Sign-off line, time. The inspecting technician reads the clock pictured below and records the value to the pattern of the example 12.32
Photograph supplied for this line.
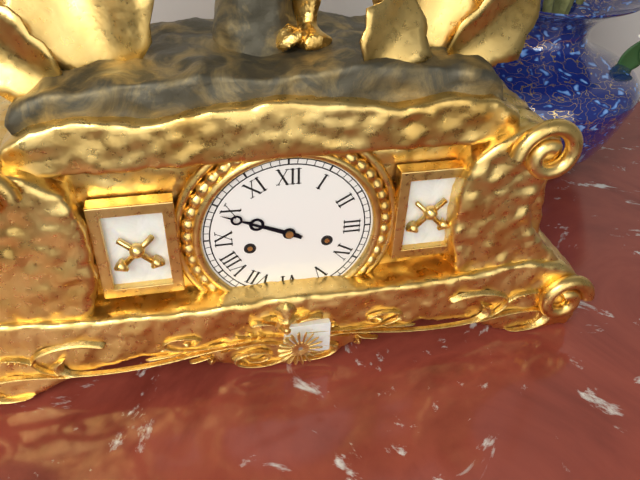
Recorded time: 9.49
